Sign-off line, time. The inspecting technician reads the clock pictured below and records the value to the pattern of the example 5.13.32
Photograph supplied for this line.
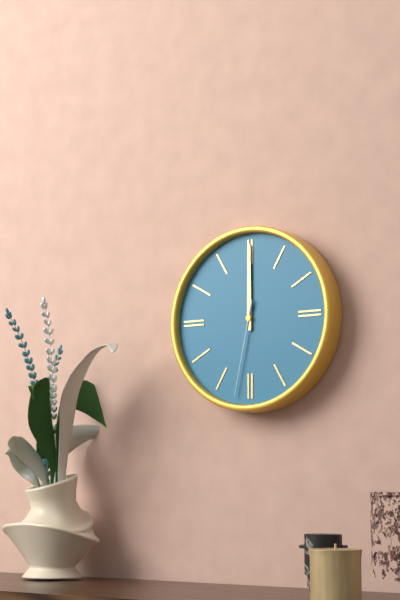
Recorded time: 12.00.32
